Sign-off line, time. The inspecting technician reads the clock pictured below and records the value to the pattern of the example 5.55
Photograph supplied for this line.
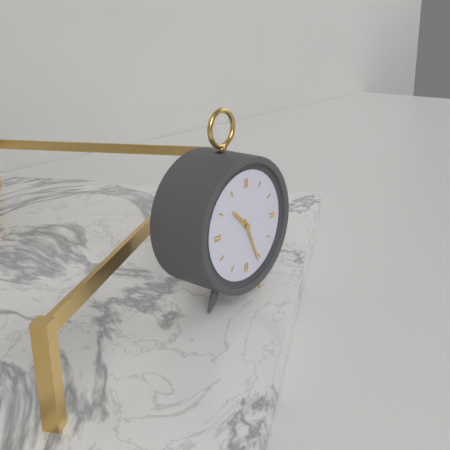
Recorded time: 10.26
